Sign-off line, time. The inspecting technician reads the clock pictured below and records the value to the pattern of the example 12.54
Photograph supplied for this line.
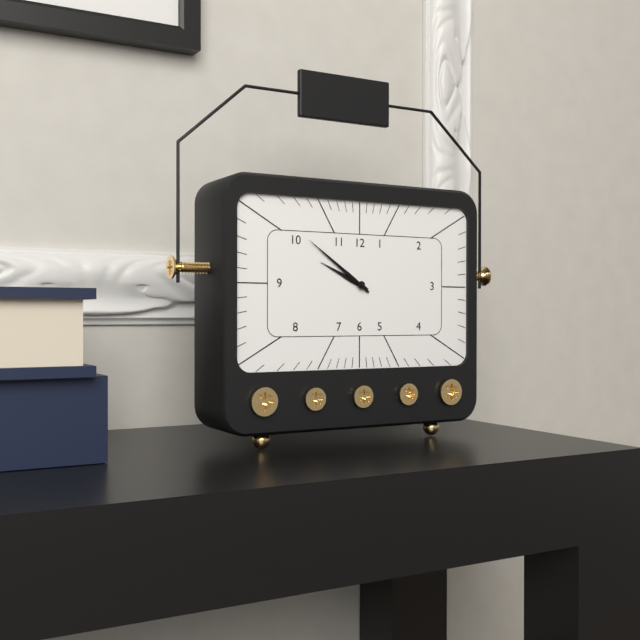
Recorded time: 9.51
